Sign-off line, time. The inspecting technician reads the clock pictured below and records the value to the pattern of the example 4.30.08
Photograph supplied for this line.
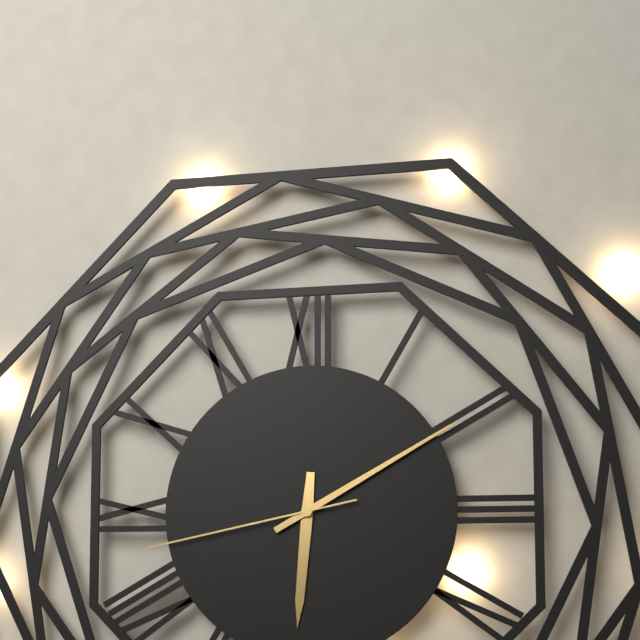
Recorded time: 6.10.43
